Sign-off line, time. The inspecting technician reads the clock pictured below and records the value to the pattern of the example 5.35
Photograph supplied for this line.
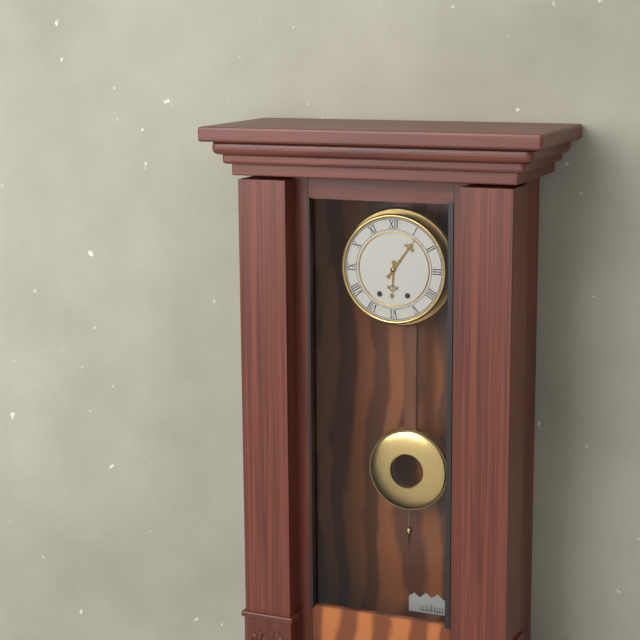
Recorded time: 6.06
